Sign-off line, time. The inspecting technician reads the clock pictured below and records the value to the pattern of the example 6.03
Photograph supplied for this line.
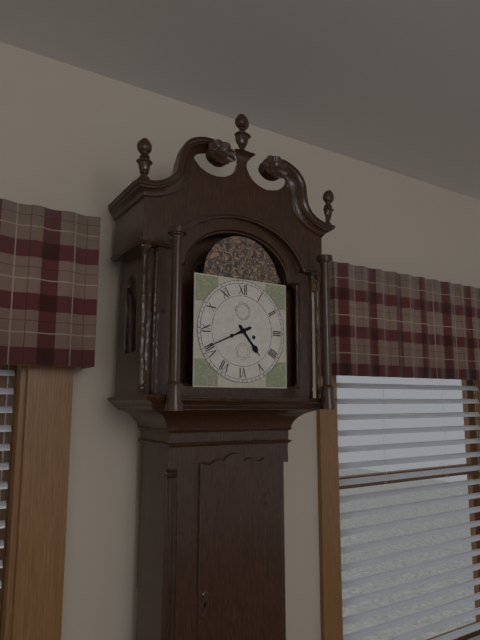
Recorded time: 4.41
